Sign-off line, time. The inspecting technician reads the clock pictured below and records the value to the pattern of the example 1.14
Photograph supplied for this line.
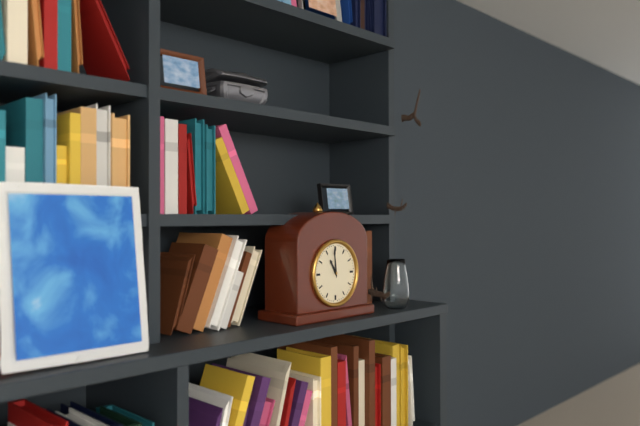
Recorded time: 10.59
